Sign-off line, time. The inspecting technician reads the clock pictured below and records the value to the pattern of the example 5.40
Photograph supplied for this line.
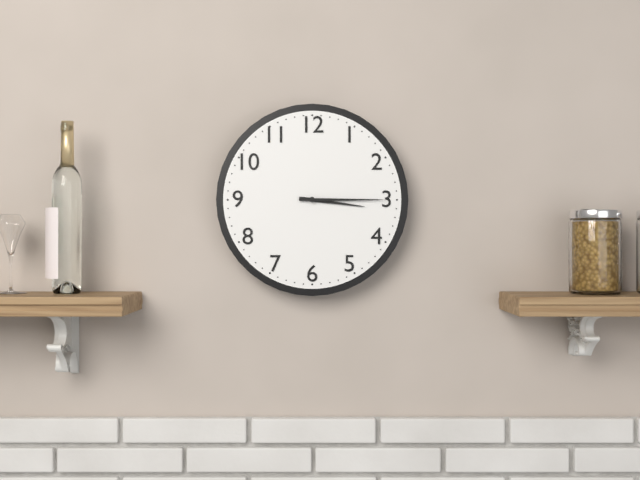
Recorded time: 3.15
